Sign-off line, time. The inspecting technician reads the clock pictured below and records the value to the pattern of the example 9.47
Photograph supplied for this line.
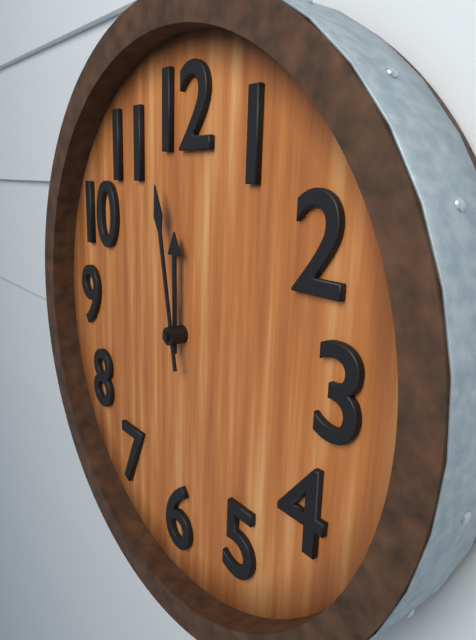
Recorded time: 11.58
